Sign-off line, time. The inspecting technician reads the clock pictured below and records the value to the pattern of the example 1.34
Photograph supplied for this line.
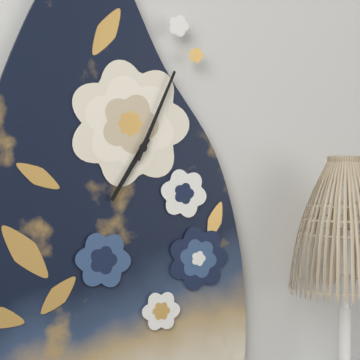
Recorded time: 7.04
